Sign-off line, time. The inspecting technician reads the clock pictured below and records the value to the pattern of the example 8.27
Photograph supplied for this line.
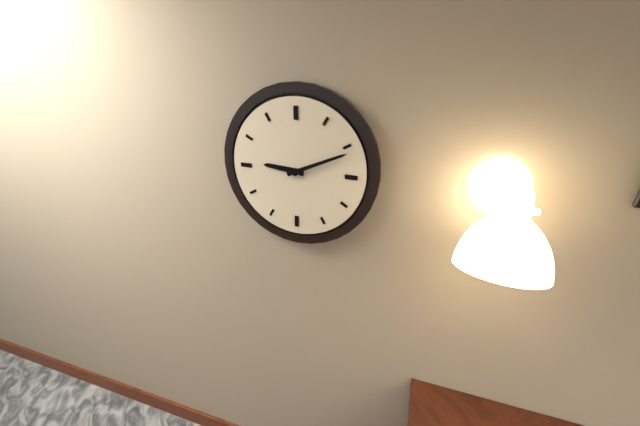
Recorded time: 9.11
